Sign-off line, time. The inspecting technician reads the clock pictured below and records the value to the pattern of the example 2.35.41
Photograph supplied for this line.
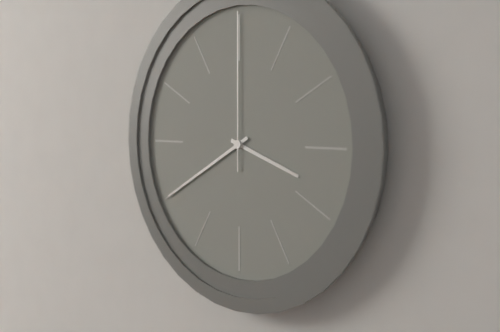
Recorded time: 3.40.00
